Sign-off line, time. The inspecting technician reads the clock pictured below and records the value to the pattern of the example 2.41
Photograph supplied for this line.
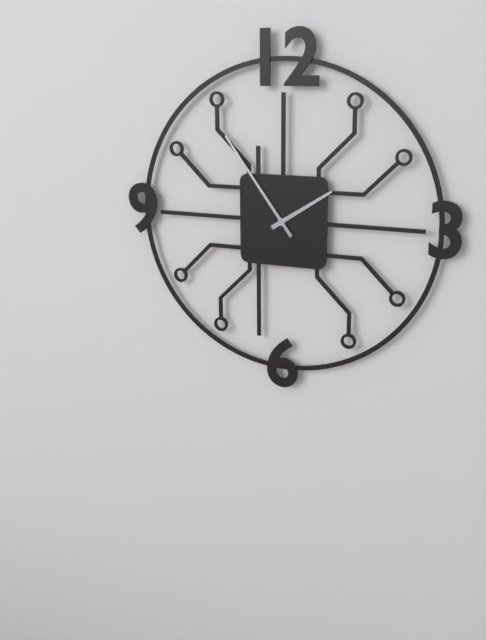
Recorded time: 1.54
